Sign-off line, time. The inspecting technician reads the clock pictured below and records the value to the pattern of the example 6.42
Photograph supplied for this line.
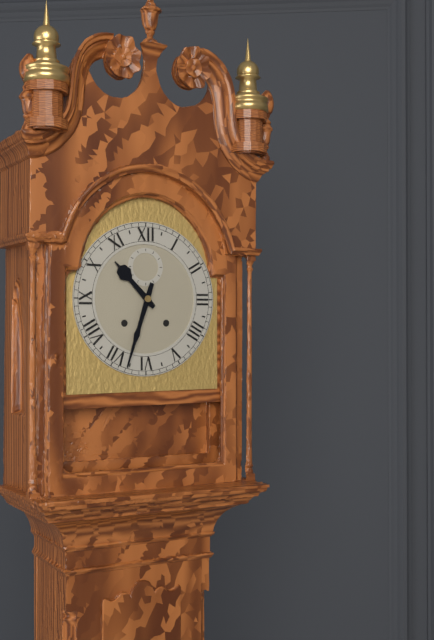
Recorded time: 10.33
